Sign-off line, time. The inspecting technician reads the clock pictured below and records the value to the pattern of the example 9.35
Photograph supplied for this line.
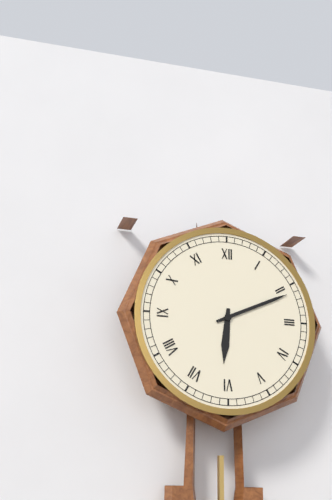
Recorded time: 6.11
